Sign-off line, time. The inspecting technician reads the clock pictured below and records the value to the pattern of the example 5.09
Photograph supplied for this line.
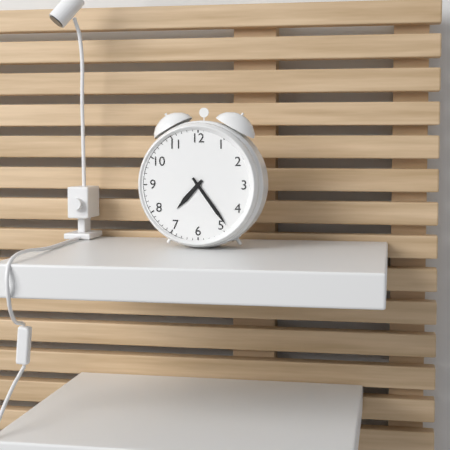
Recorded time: 7.24
